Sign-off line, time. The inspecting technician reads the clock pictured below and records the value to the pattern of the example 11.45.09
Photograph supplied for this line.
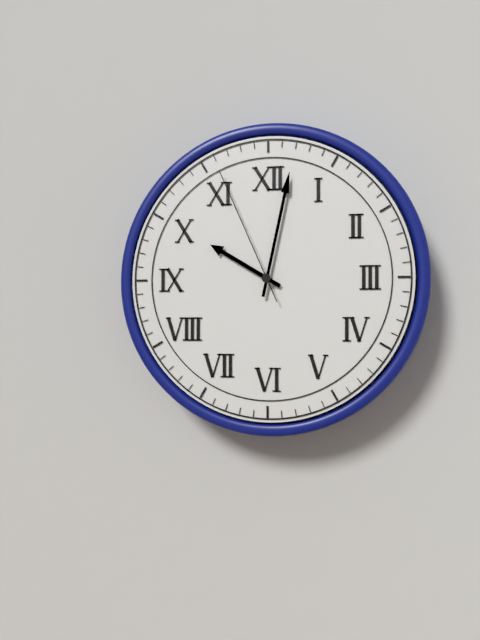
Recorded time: 10.02.56
